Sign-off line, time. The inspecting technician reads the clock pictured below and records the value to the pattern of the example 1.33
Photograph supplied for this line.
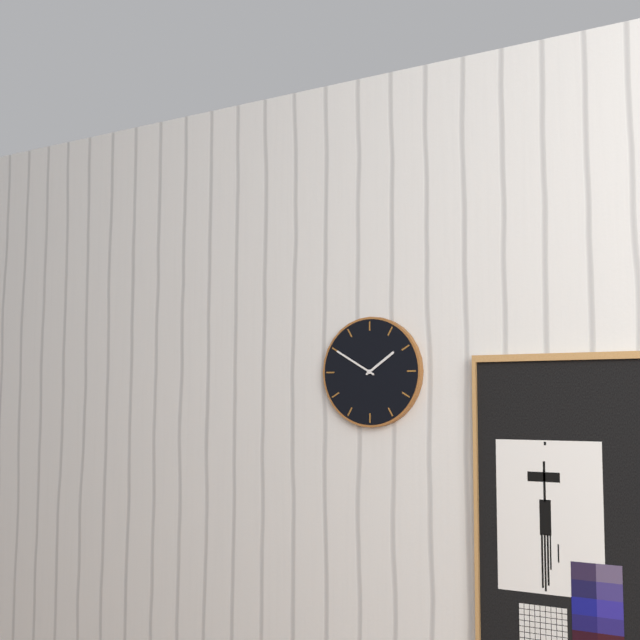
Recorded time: 1.50
